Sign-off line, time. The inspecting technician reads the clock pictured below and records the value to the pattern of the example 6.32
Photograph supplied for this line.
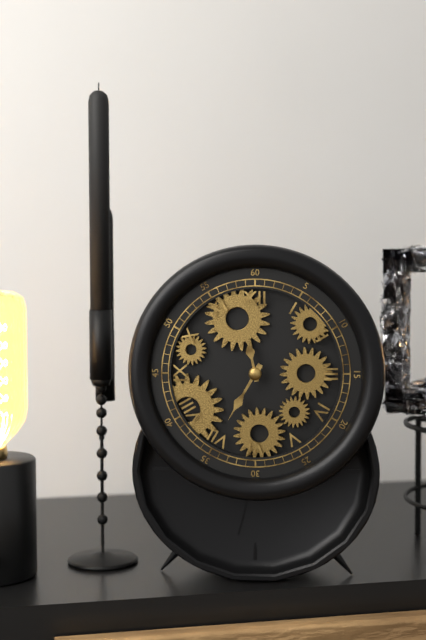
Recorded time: 11.35
